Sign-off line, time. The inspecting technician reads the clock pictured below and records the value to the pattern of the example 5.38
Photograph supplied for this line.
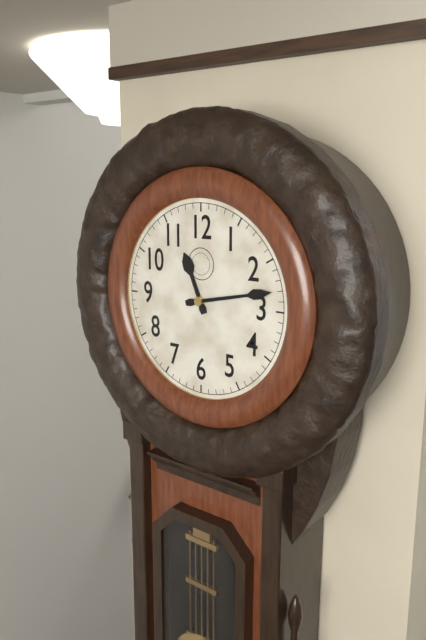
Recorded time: 11.13
